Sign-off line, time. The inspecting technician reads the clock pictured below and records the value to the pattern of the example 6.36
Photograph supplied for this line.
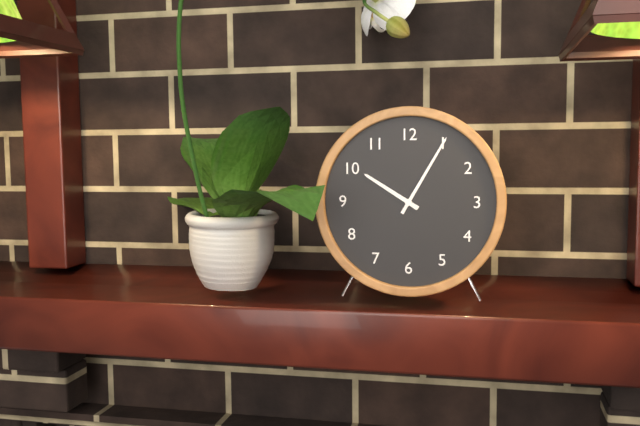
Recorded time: 10.05
